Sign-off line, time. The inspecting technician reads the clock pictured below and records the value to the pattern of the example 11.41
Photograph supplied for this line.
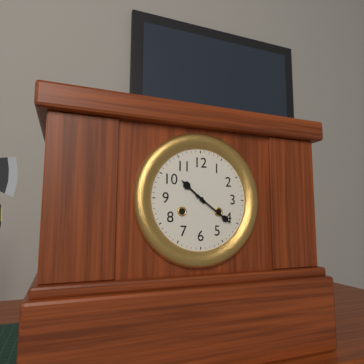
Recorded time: 10.21
